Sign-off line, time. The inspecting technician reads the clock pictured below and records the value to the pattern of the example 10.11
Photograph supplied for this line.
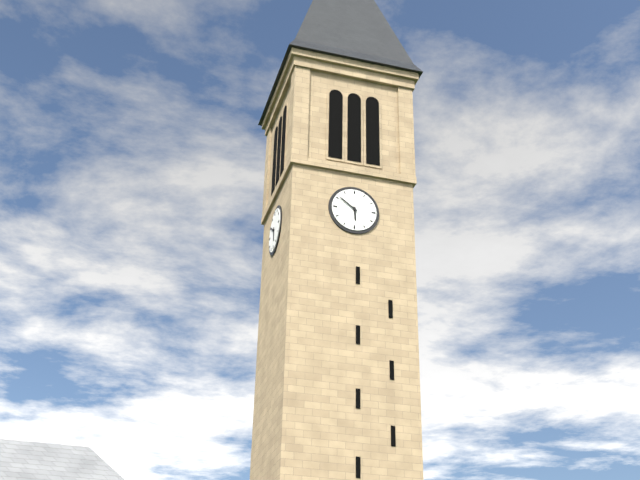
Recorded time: 5.51
